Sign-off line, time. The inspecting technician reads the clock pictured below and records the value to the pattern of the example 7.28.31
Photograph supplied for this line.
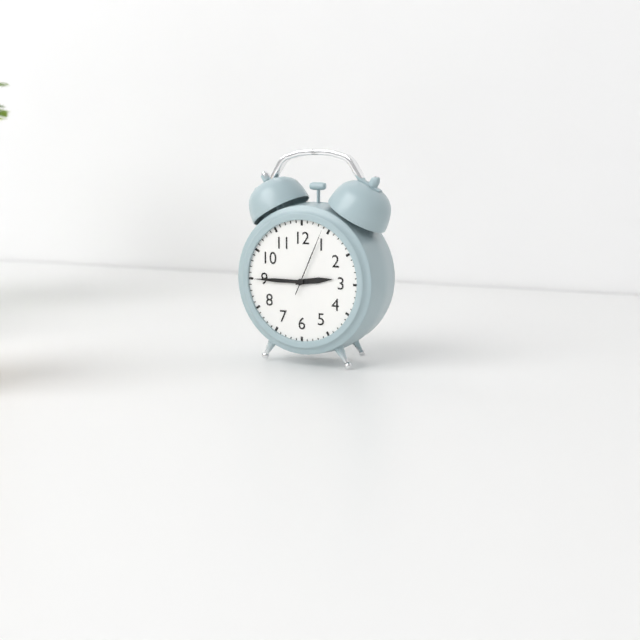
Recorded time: 2.45.04
